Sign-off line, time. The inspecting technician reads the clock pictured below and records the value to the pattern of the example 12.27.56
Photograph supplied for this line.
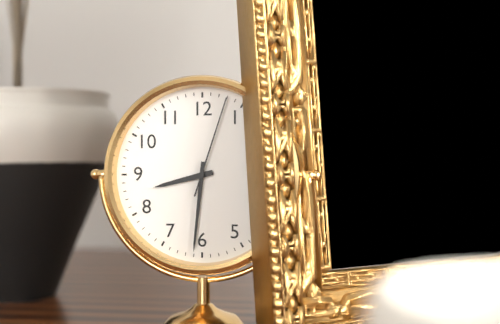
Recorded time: 8.31.03
